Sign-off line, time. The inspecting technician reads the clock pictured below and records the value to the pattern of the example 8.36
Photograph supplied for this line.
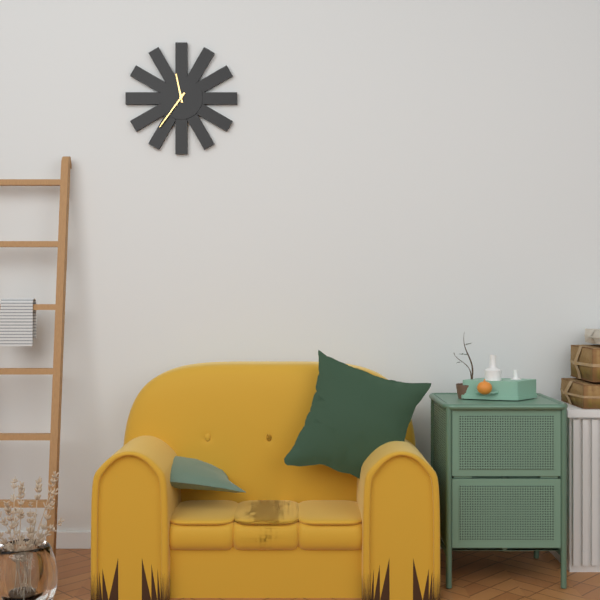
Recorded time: 11.36
